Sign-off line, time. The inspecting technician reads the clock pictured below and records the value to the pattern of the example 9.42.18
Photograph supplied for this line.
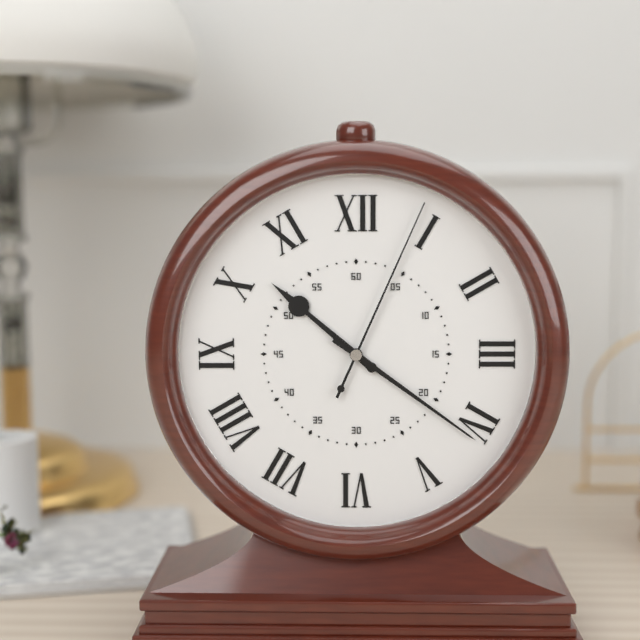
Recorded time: 10.21.04
